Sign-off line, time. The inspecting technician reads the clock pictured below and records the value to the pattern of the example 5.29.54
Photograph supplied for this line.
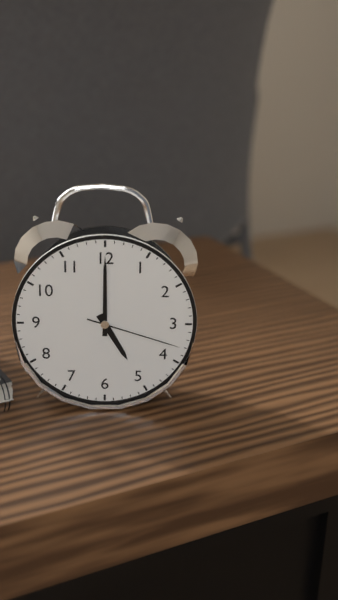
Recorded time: 5.00.18
